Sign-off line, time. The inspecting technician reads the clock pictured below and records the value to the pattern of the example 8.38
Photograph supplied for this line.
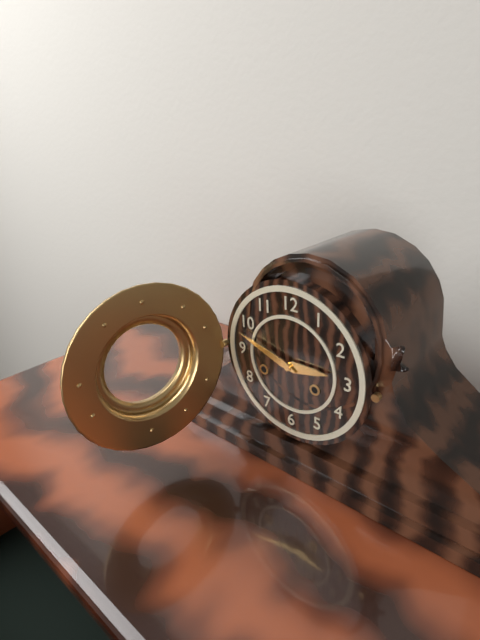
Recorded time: 2.48
